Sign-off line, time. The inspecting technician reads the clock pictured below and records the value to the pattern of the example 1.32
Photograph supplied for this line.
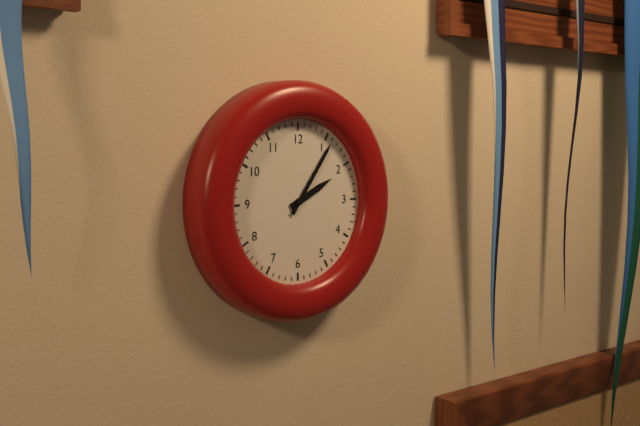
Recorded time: 2.06
